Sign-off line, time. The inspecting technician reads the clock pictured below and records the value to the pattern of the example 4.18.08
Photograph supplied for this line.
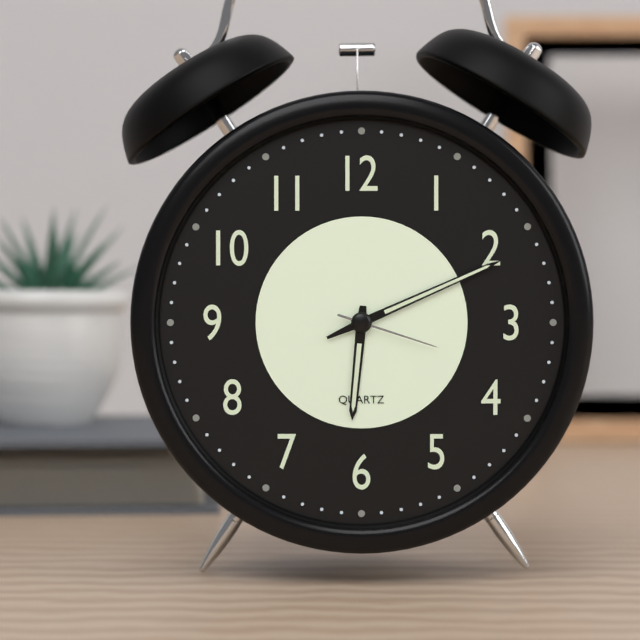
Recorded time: 6.11.18
